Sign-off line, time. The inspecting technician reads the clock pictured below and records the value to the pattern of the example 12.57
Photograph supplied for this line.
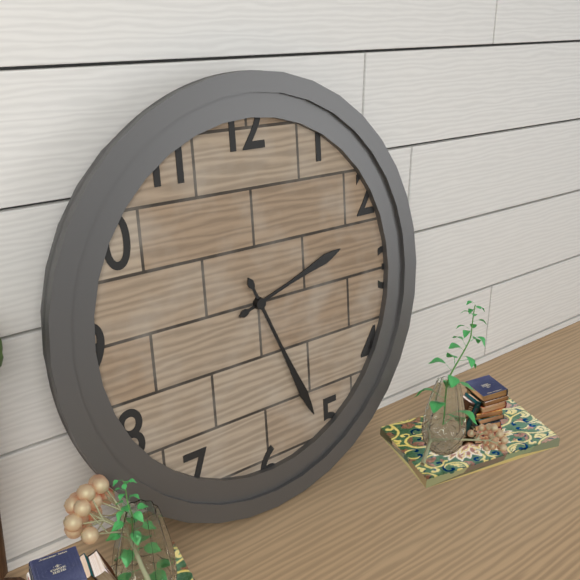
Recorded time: 2.26
